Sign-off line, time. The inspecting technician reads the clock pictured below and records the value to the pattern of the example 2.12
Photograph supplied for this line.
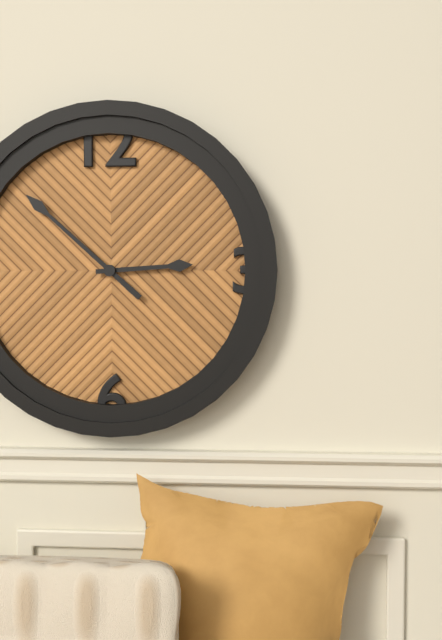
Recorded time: 2.52
